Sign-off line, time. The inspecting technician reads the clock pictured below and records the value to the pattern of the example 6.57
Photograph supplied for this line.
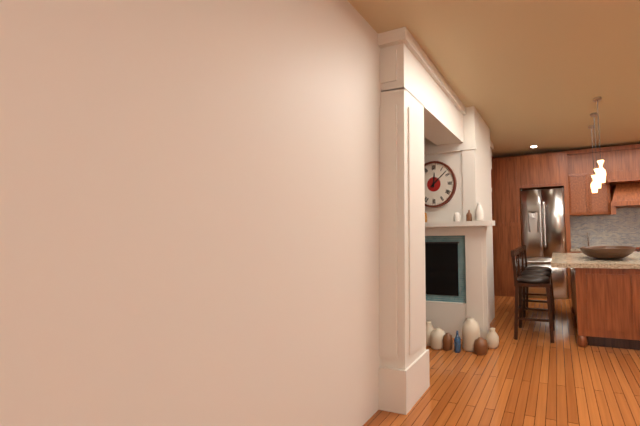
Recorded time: 12.08
